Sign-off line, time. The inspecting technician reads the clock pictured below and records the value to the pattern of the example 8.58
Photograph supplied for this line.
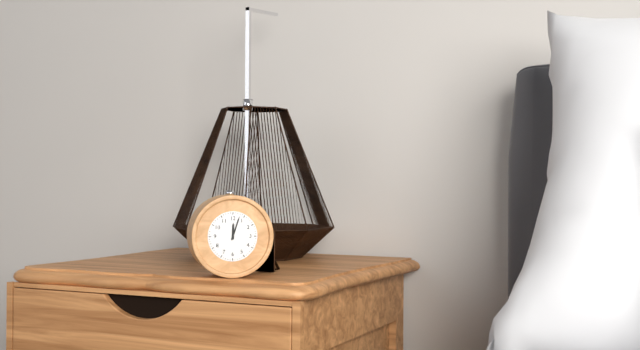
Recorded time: 12.03
